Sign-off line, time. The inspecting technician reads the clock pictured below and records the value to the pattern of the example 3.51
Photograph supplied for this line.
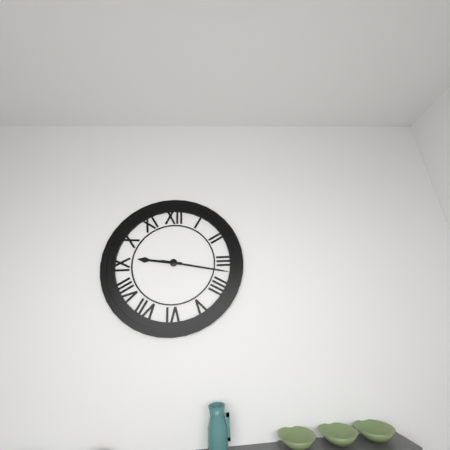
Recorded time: 9.17
